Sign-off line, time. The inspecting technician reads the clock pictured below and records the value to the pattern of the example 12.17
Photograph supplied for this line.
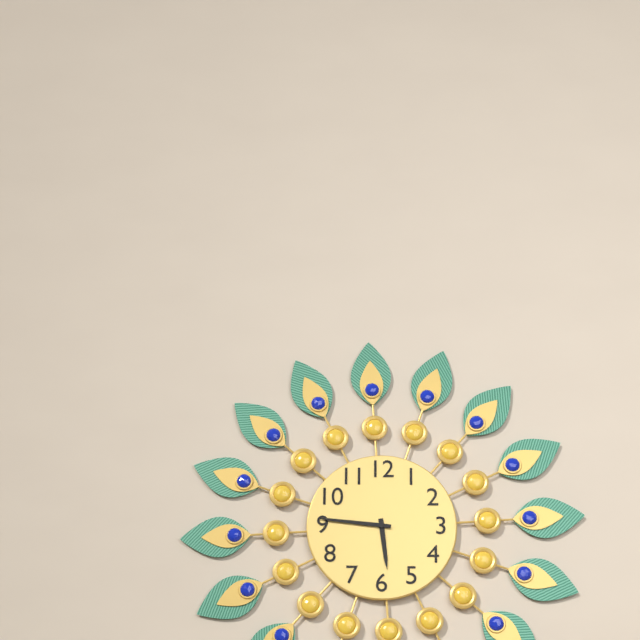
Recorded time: 5.46
